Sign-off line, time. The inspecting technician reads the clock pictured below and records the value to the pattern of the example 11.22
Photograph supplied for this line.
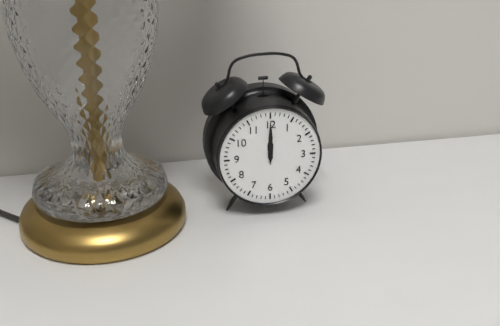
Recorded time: 12.00
